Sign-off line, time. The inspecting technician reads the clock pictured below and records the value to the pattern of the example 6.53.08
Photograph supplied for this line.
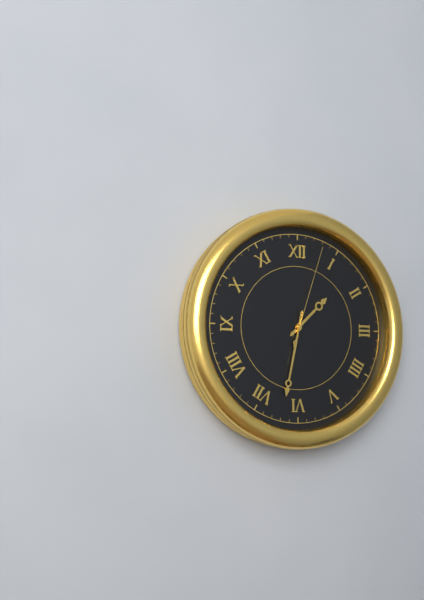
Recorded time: 1.32.03
